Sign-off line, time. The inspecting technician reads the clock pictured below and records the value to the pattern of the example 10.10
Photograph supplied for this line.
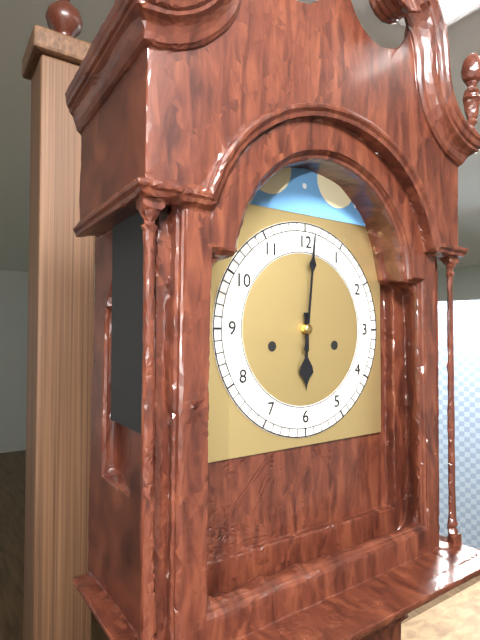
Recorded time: 6.01
